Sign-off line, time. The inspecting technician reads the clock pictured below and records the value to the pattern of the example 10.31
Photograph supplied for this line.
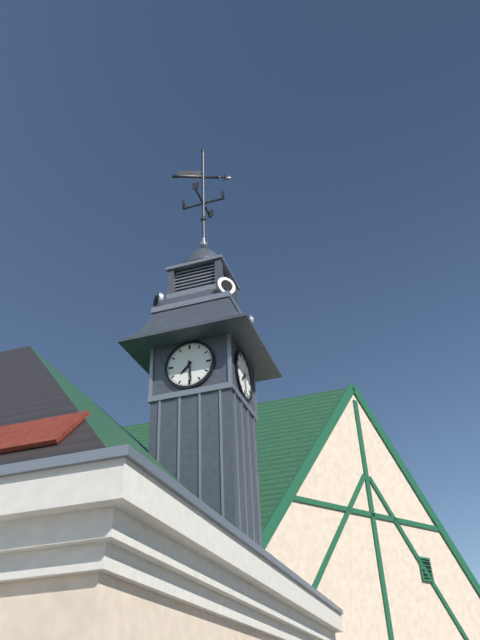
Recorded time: 7.29
